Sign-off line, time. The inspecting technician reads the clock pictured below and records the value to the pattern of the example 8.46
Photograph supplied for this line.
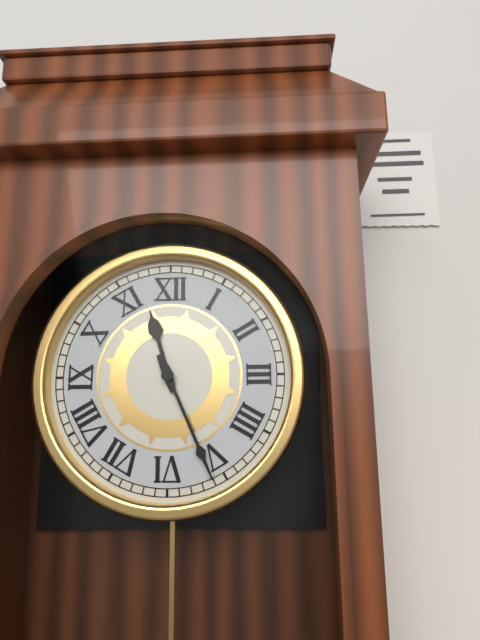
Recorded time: 11.26
